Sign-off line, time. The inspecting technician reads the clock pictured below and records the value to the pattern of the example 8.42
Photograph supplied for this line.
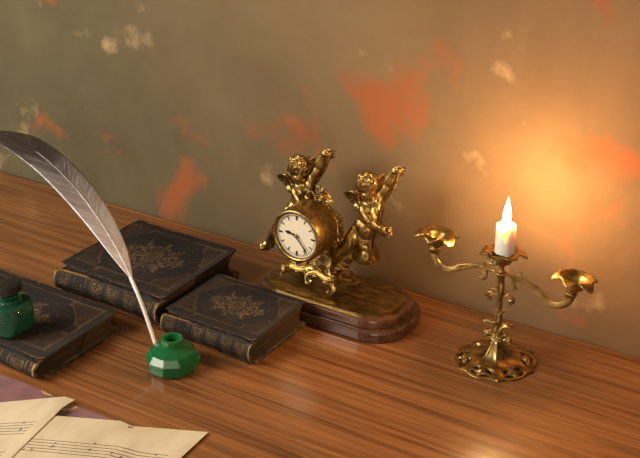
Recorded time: 9.23
